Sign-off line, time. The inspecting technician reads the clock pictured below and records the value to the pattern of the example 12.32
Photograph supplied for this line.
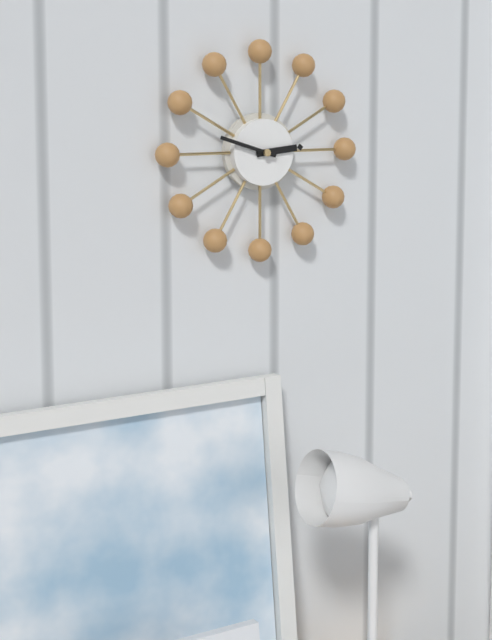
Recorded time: 2.48
